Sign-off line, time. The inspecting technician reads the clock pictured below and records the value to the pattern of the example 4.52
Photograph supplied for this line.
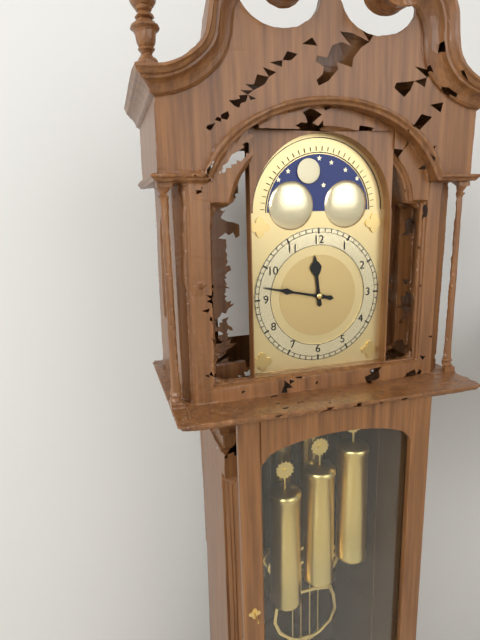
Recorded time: 11.47
